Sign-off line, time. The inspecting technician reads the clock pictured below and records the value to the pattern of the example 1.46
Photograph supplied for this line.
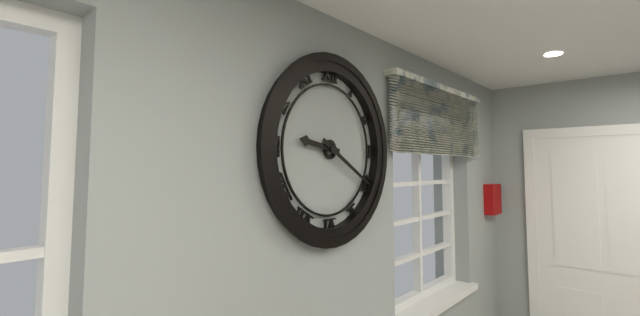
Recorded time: 9.20
